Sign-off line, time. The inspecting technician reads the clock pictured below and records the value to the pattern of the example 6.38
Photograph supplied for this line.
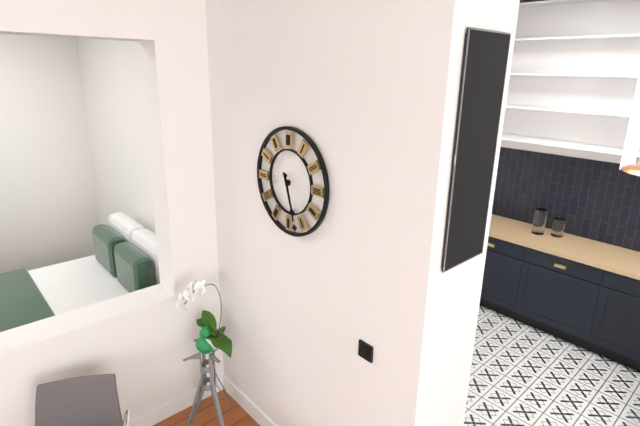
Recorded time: 5.27
